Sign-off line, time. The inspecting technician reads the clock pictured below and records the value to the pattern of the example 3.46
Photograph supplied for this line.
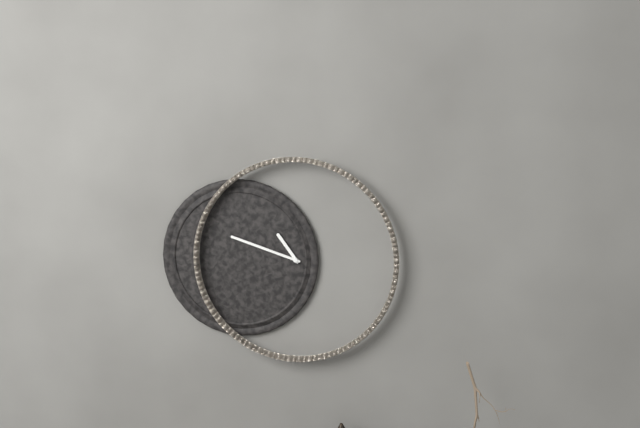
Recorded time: 10.48
